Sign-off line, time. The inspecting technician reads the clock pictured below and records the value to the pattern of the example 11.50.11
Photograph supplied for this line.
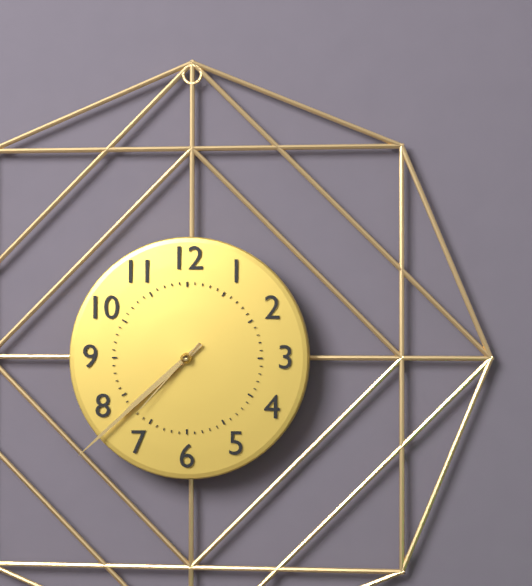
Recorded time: 7.38.37
